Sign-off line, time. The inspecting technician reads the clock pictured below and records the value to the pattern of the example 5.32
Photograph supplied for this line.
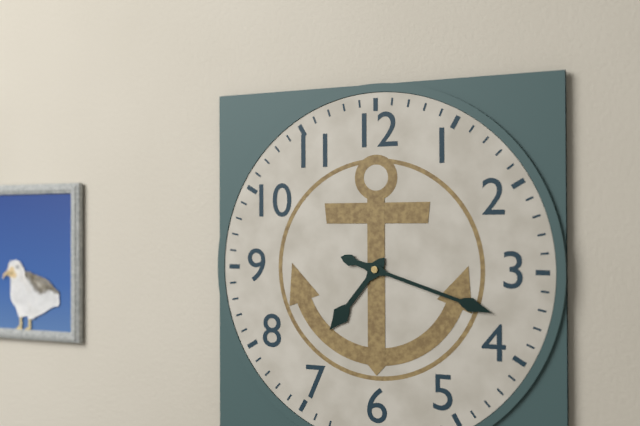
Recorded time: 7.18
